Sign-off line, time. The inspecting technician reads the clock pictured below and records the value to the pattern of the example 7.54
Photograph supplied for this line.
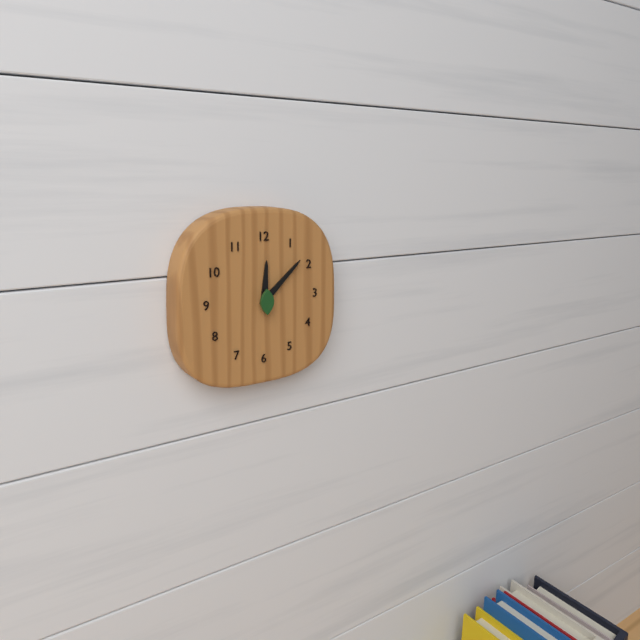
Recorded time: 12.08
